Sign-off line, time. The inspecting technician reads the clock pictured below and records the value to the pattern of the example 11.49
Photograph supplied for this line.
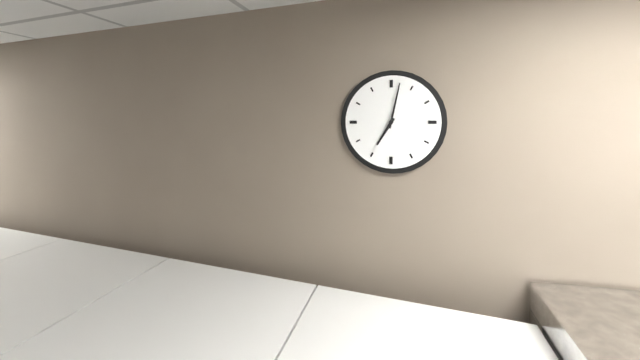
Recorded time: 7.02
